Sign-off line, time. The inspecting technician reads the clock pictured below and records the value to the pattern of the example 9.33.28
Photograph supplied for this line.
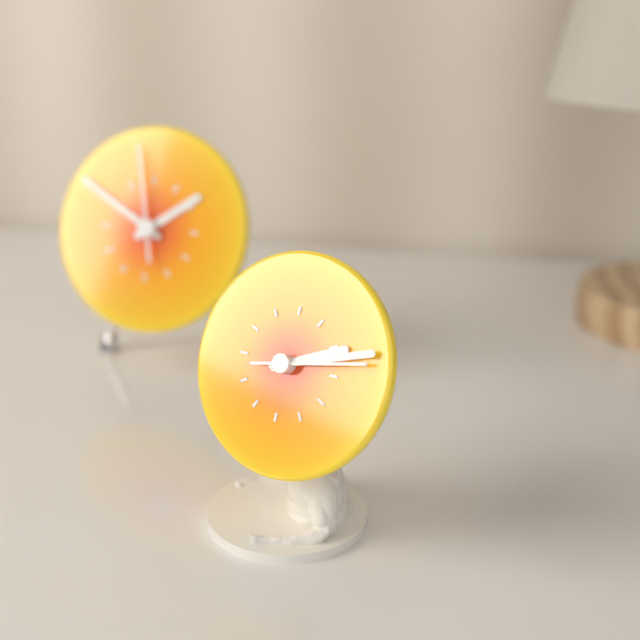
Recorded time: 2.12.13
